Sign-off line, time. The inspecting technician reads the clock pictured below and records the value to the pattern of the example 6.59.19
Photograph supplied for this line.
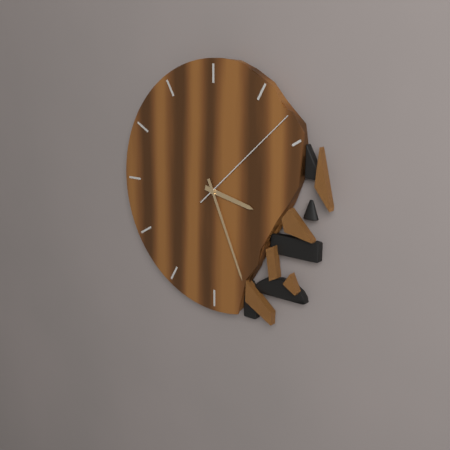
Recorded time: 3.26.08
